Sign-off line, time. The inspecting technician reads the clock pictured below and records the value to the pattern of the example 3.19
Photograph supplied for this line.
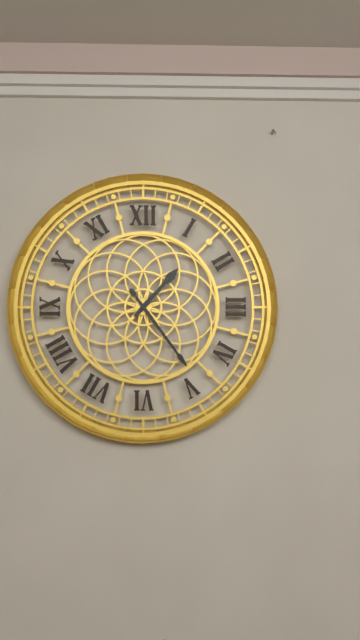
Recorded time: 1.24
